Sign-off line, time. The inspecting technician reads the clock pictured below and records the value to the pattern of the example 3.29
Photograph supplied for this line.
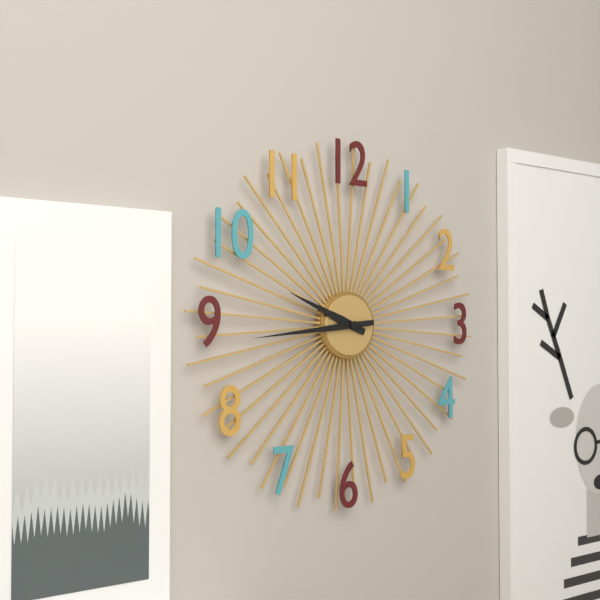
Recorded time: 9.44
